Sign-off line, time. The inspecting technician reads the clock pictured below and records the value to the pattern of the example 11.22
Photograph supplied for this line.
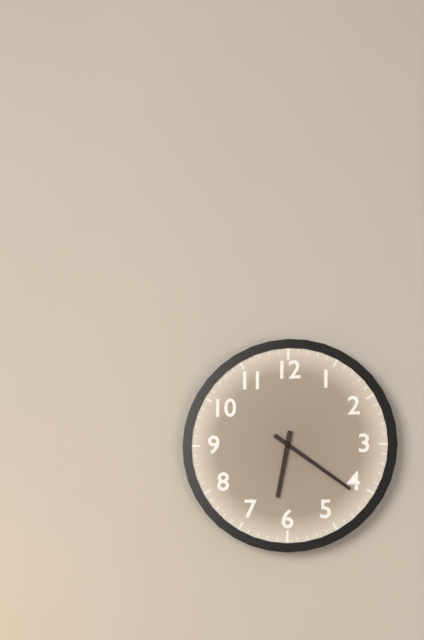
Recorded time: 6.21
